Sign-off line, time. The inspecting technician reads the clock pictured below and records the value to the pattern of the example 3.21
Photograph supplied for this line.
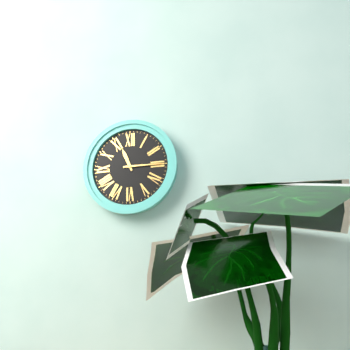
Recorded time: 11.15
